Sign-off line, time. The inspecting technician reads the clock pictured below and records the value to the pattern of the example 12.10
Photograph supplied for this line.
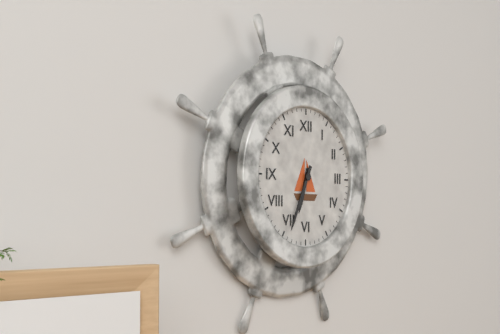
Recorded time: 6.34
